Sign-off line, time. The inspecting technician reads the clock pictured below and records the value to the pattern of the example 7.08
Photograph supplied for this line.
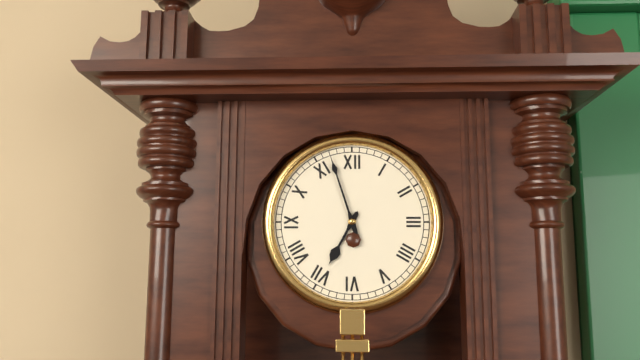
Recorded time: 6.57
